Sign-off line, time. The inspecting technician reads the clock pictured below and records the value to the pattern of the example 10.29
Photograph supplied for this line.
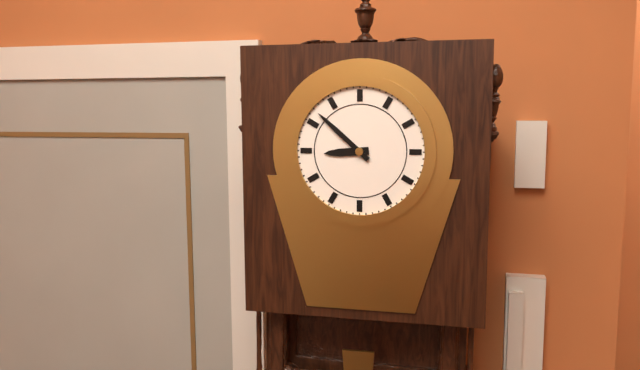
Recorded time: 8.52
